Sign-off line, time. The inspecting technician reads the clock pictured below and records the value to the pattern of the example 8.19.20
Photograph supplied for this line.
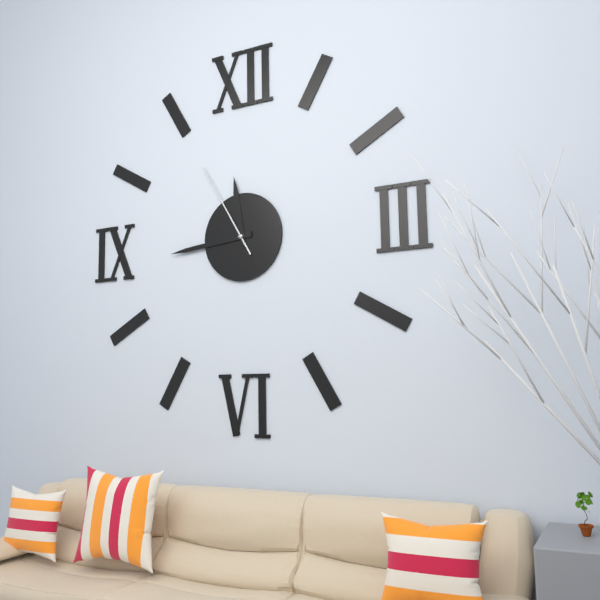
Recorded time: 11.44.55
